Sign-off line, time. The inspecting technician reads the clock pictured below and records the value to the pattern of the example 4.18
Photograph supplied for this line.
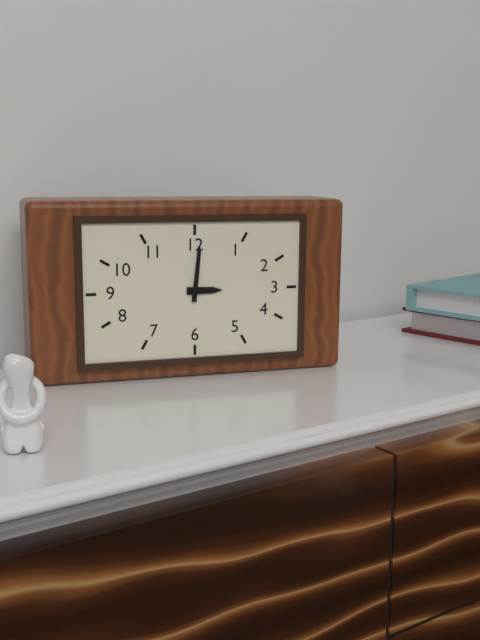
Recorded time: 3.01
